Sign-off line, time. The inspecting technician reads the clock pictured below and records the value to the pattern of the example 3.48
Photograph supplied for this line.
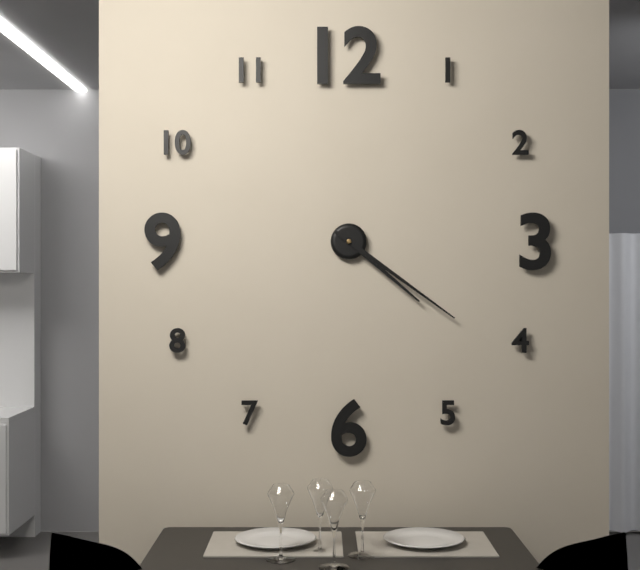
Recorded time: 4.21
